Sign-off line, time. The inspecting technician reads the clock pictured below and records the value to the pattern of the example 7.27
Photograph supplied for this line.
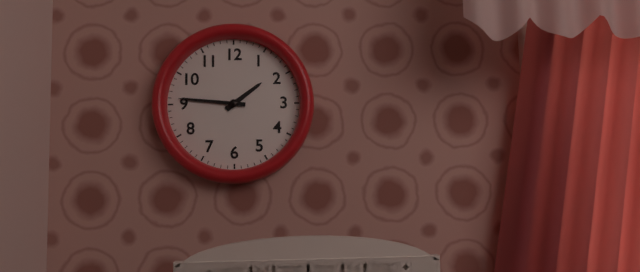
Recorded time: 1.46
